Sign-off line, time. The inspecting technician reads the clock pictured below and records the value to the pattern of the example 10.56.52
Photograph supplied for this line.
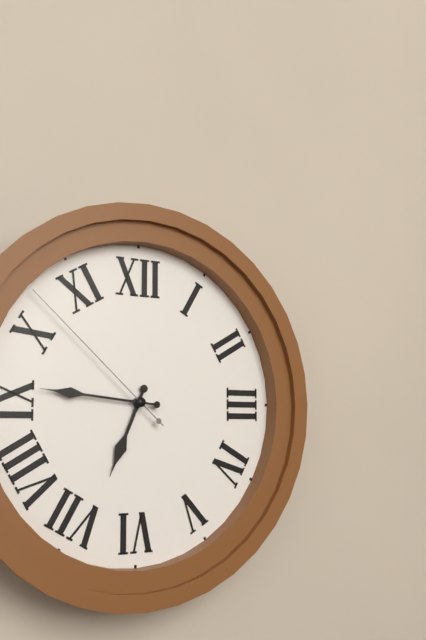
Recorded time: 6.46.52
